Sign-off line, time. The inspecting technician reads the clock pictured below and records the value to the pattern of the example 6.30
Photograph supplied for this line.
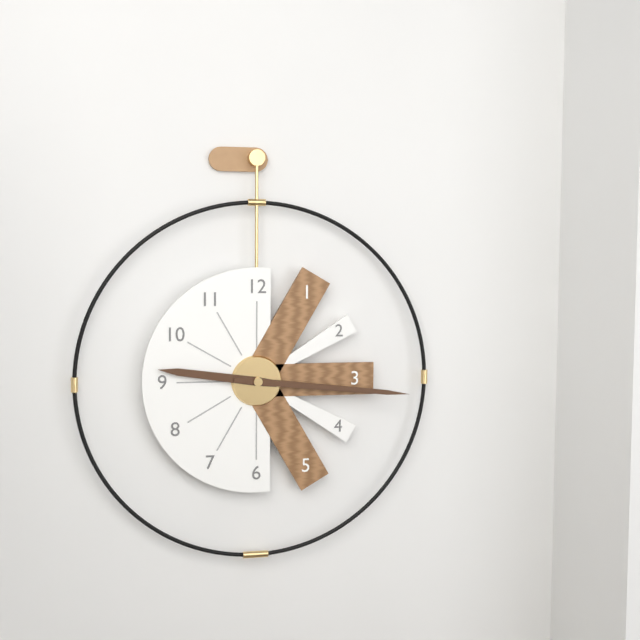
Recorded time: 9.16
